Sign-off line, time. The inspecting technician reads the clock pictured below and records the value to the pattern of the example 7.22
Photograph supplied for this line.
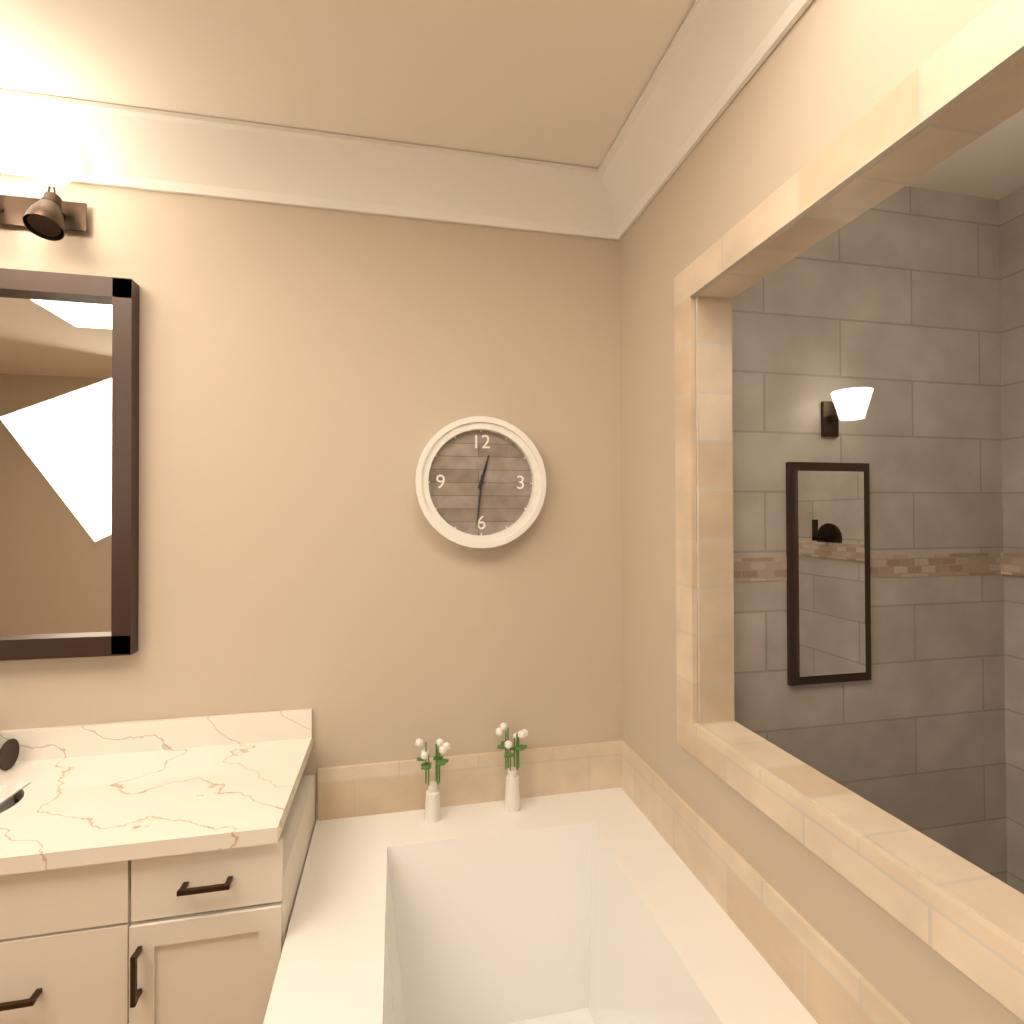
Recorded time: 12.31
